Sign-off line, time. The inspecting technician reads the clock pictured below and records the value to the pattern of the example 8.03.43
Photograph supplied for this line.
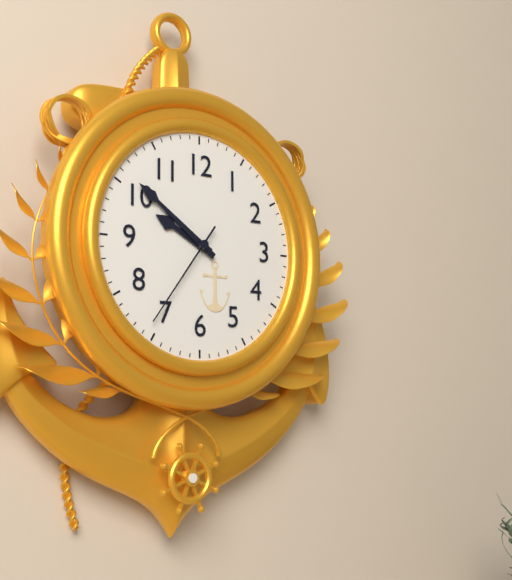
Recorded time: 9.51.36
